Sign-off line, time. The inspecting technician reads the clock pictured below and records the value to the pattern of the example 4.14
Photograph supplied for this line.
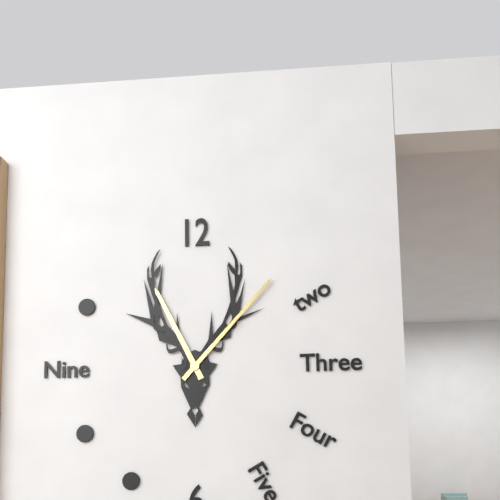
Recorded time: 11.07
